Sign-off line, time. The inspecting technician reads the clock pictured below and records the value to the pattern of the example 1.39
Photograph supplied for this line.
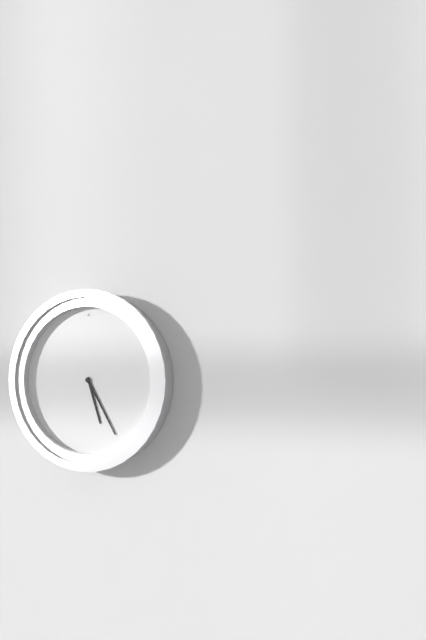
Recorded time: 5.25
